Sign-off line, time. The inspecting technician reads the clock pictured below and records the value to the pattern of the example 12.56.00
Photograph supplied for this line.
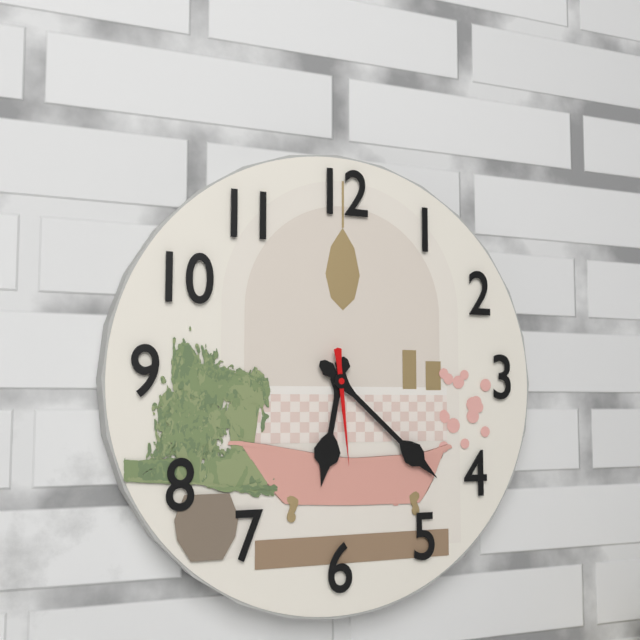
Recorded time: 6.22.29
